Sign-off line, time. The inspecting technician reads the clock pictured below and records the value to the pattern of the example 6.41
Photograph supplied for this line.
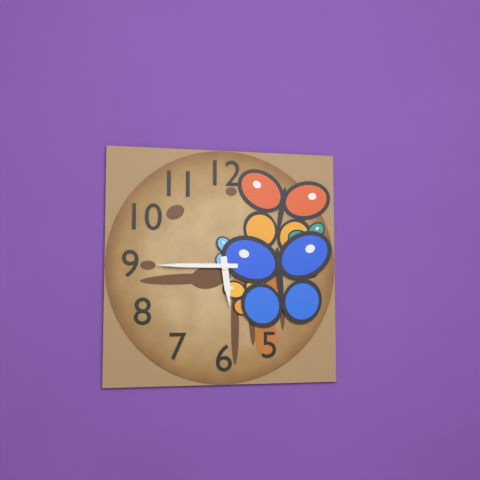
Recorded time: 5.45
